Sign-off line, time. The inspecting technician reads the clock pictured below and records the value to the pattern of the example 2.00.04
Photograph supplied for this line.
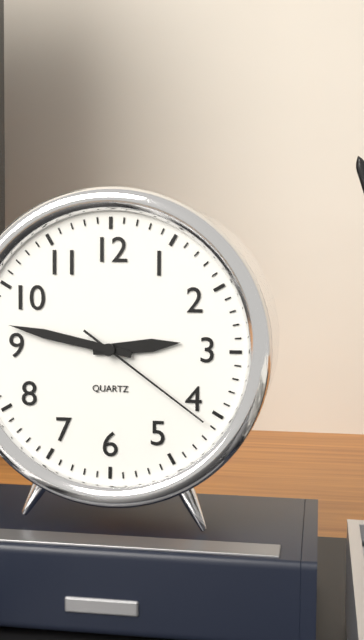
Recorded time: 2.47.21
